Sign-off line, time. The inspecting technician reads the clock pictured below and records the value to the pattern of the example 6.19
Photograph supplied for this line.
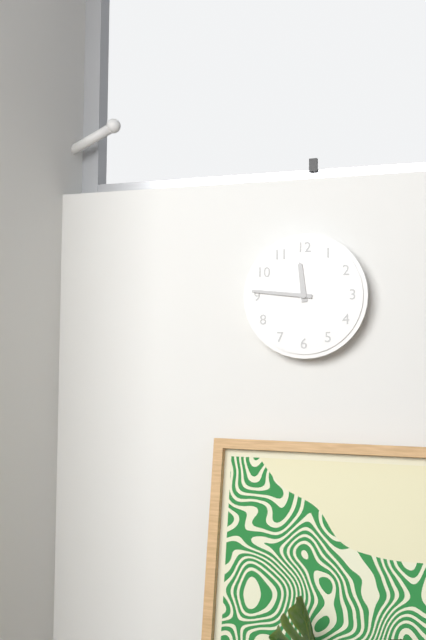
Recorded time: 11.46
